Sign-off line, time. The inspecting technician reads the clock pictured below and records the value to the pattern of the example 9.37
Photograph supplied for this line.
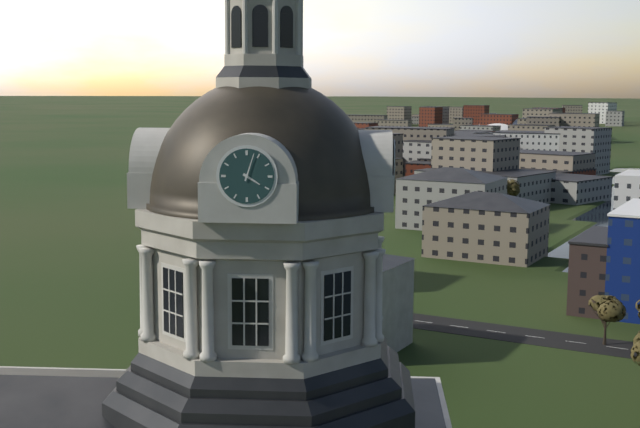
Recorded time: 4.03
